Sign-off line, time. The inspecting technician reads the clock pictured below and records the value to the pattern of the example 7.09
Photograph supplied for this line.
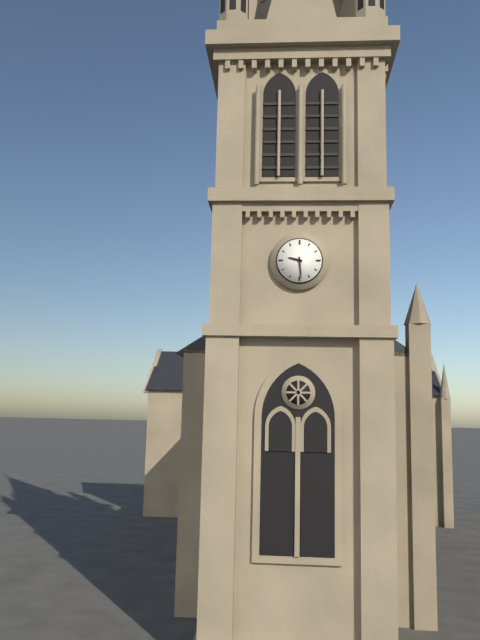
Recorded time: 9.29
